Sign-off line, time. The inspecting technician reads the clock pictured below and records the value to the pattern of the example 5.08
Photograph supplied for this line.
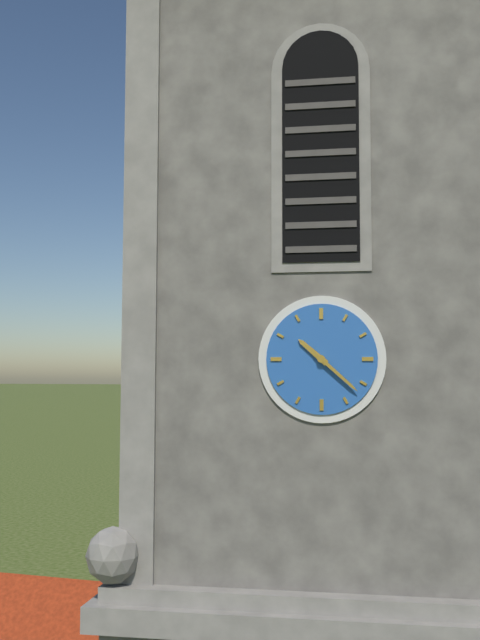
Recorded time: 10.22
